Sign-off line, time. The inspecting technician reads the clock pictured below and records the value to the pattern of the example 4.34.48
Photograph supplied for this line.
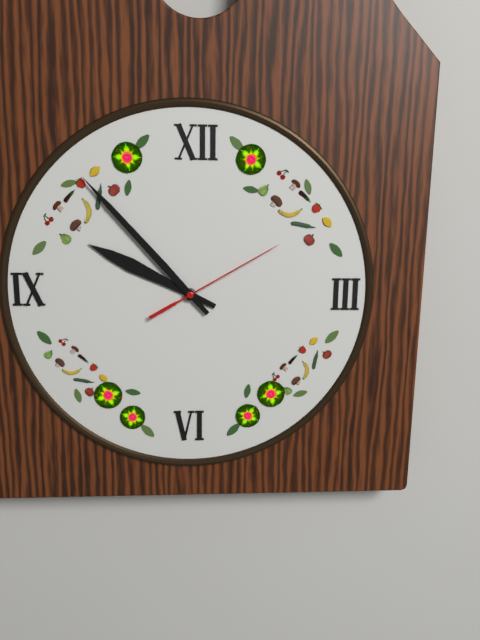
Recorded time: 9.53.10
